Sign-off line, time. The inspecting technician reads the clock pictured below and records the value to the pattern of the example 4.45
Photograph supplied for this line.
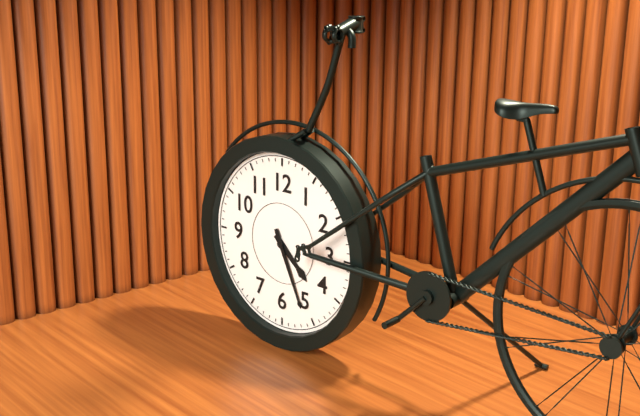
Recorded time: 4.26
